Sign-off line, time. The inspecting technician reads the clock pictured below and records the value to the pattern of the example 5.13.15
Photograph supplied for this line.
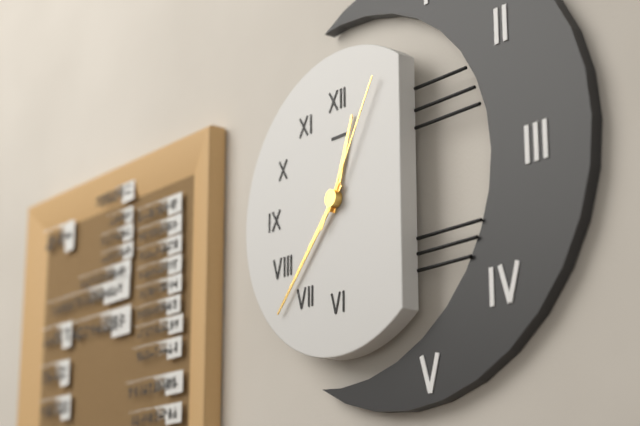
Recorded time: 12.37.05
